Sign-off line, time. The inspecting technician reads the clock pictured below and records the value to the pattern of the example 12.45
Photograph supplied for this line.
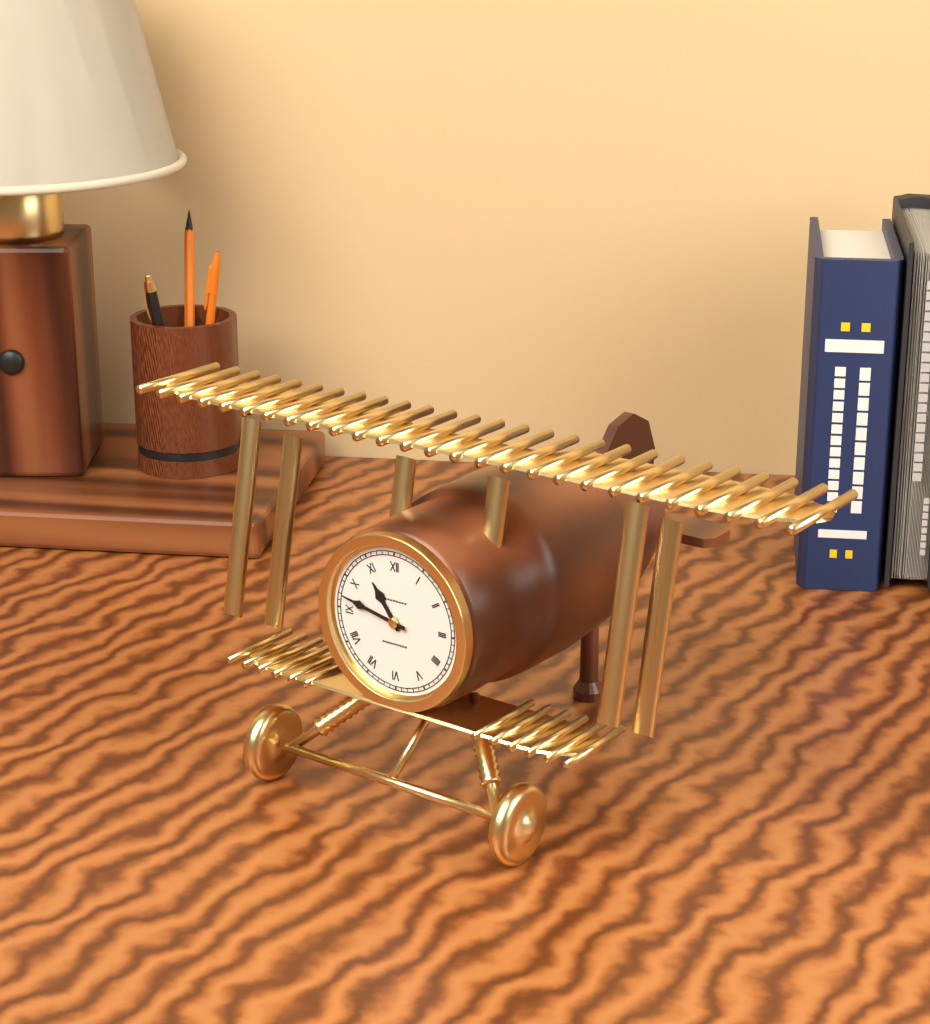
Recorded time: 10.47
